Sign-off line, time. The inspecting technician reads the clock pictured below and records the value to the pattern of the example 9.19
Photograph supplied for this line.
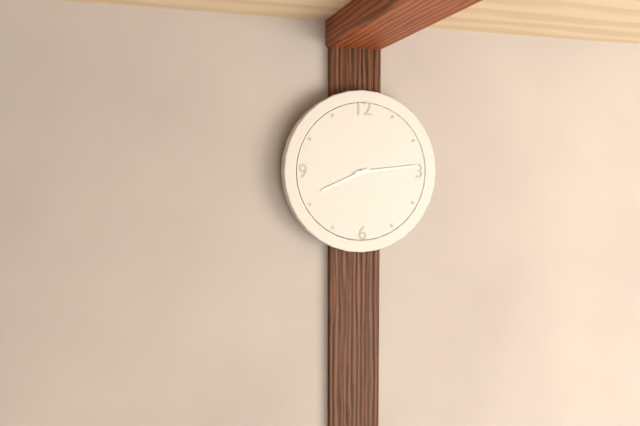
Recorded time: 8.14
